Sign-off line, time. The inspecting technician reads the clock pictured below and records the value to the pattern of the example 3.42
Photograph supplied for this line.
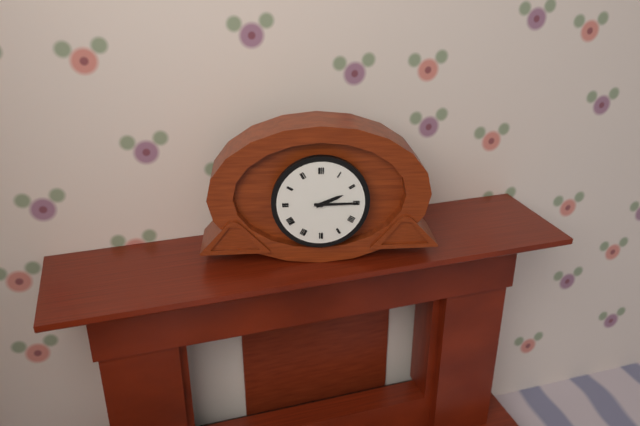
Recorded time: 2.15
